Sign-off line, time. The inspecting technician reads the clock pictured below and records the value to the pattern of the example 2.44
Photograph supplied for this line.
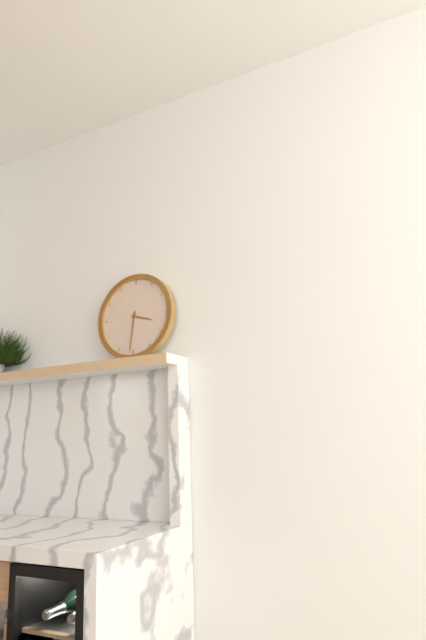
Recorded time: 3.31
